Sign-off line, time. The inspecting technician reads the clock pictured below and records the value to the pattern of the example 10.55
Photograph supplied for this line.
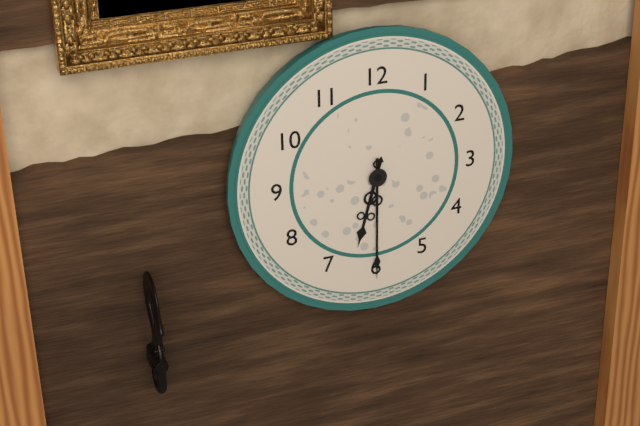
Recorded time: 6.30
